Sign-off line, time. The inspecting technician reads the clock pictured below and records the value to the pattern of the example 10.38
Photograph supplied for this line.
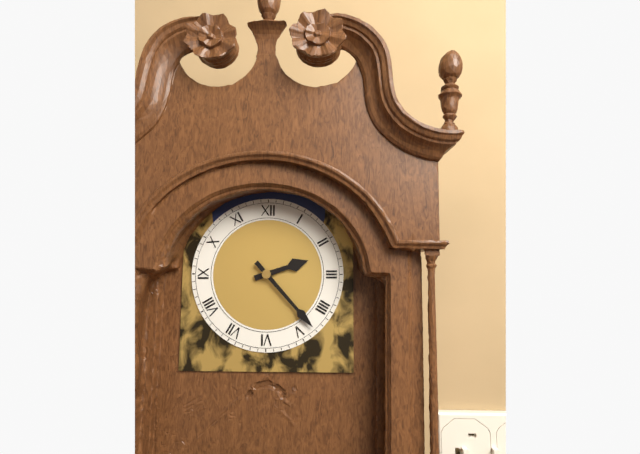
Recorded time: 2.23
